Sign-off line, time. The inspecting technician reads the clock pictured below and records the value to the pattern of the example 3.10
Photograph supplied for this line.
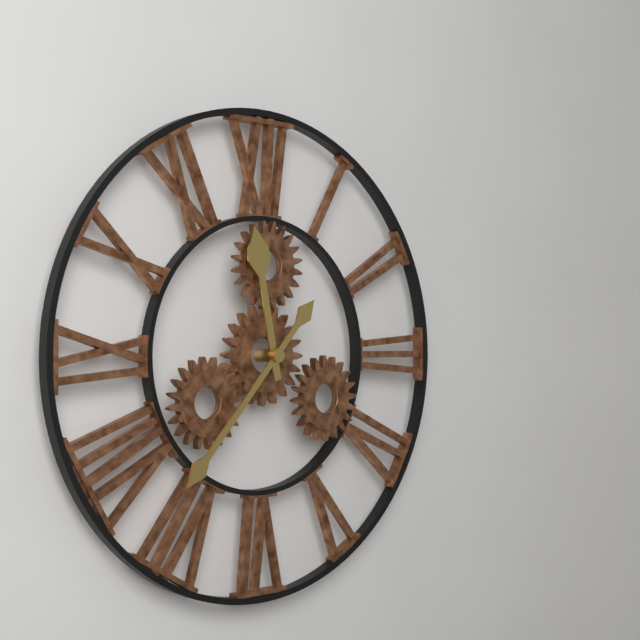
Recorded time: 11.37
